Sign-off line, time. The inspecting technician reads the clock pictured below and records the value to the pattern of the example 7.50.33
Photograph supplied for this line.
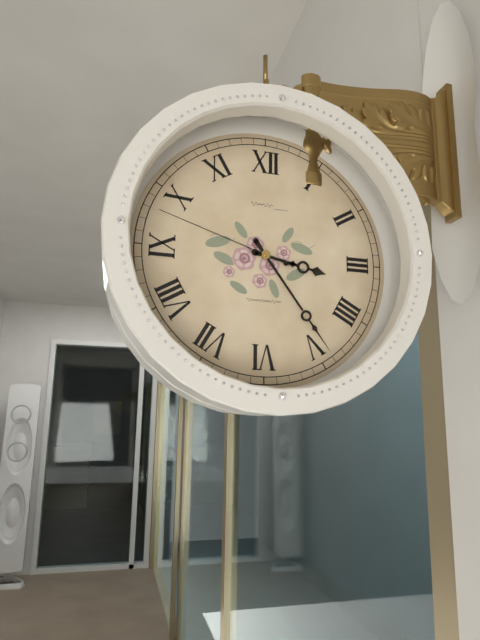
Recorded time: 3.24.48
